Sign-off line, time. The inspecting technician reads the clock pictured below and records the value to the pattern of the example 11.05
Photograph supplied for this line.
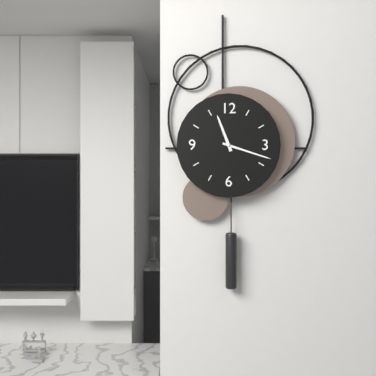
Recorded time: 11.18
